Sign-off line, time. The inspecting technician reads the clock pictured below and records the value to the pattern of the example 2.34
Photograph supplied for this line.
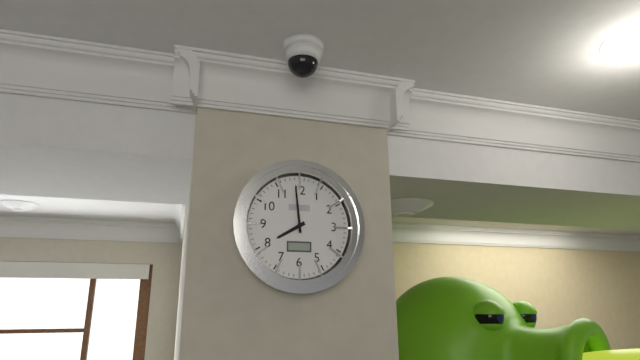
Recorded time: 7.59
